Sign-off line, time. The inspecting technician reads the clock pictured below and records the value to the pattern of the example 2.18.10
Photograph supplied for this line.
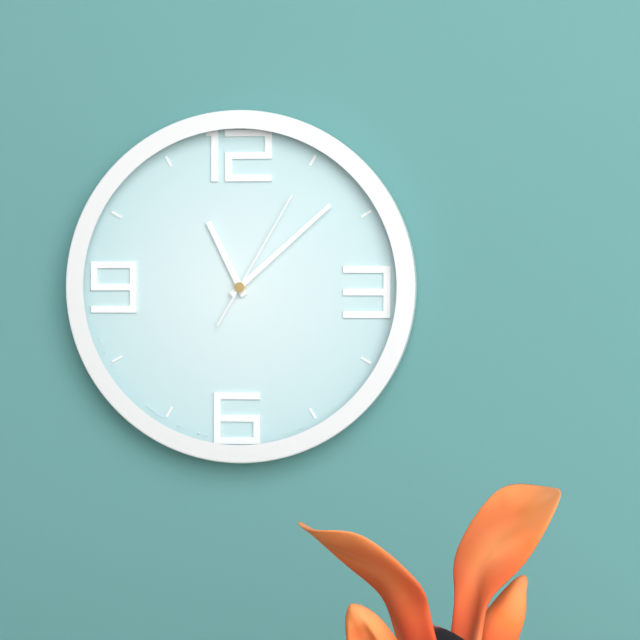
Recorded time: 11.08.05
